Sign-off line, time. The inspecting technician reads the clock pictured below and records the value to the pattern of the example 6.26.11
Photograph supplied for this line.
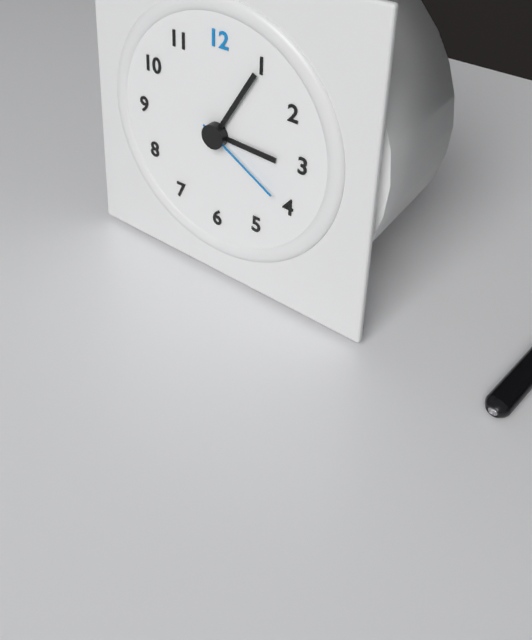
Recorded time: 3.05.20
